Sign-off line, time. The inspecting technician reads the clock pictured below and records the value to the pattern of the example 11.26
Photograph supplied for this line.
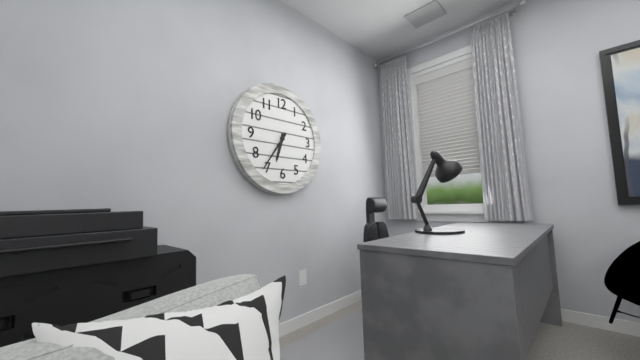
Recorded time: 6.36
